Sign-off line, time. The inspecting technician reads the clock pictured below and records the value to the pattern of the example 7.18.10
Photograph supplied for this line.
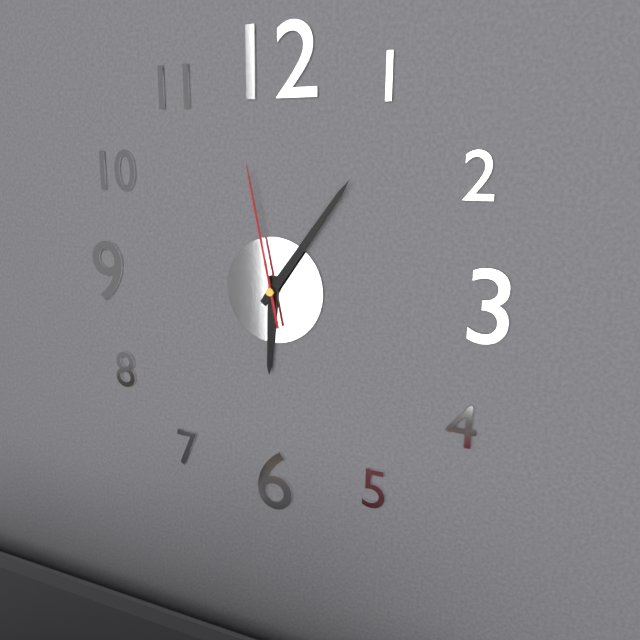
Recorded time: 6.06.58
